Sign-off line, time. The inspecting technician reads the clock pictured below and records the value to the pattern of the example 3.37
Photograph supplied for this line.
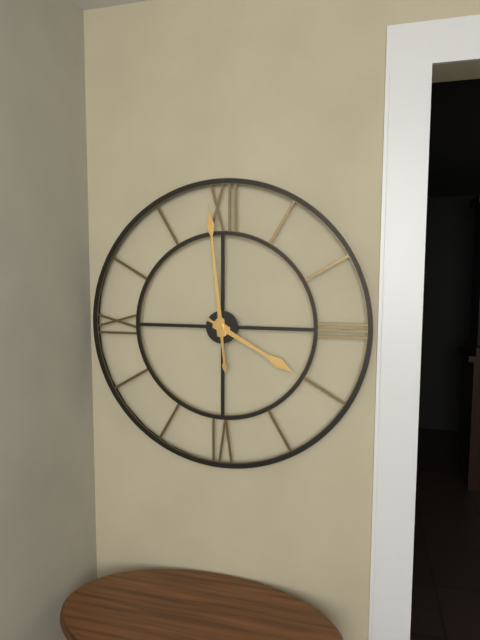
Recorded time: 3.59
